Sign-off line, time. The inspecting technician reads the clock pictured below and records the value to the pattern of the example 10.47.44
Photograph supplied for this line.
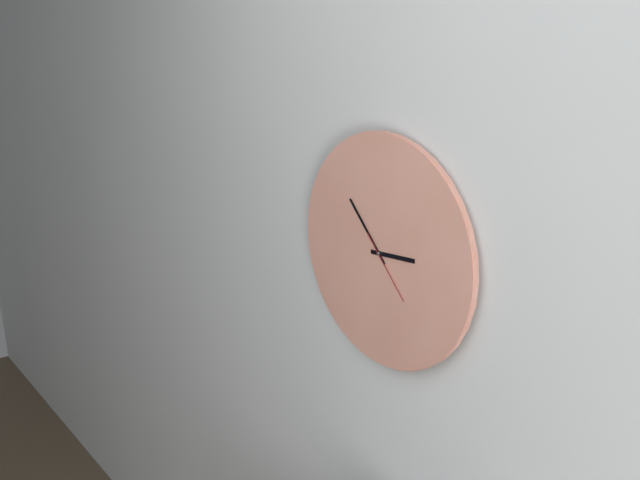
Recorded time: 2.53.23
